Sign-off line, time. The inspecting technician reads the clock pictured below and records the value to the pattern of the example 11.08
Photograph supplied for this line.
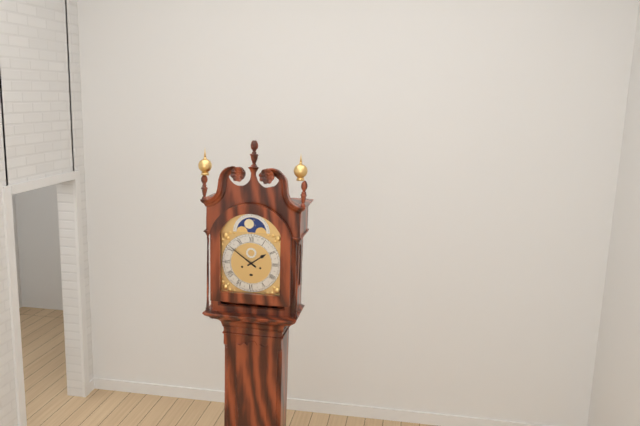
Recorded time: 1.51
